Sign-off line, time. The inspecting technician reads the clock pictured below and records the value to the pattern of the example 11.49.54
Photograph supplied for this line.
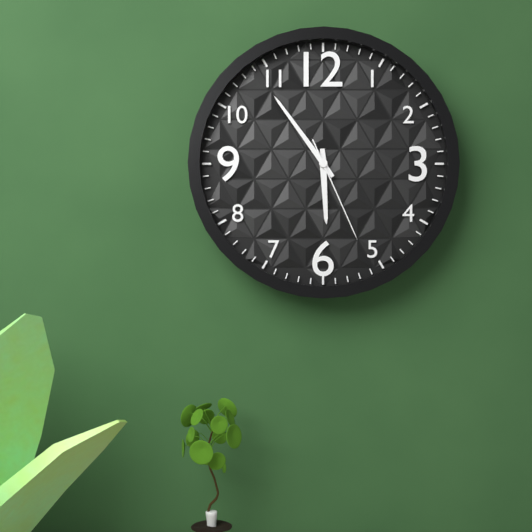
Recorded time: 5.54.26
